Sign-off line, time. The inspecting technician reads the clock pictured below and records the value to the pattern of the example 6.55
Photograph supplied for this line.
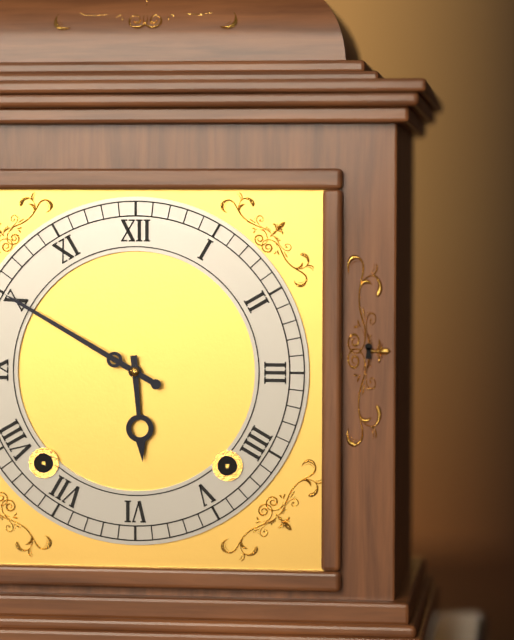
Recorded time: 5.50
